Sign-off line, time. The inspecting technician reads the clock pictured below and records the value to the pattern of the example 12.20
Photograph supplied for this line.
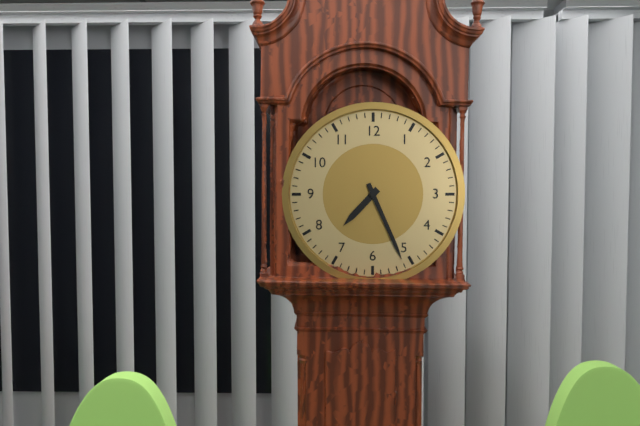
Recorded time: 7.26
